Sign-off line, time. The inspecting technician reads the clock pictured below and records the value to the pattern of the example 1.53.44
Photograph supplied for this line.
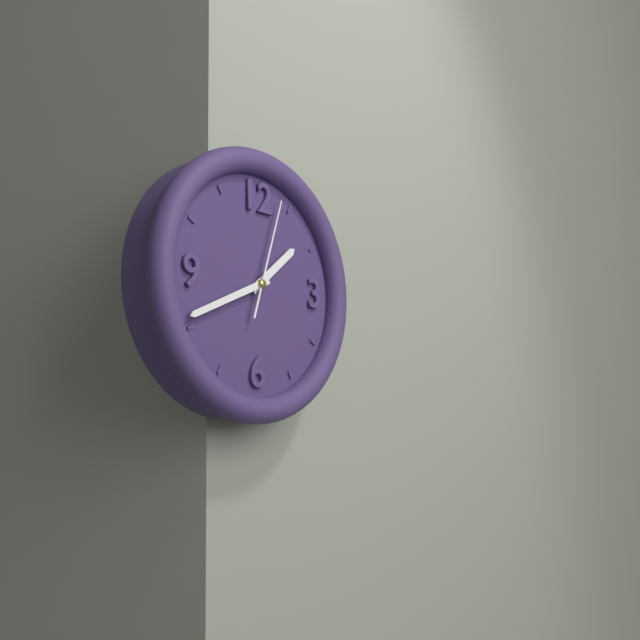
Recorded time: 1.41.03
